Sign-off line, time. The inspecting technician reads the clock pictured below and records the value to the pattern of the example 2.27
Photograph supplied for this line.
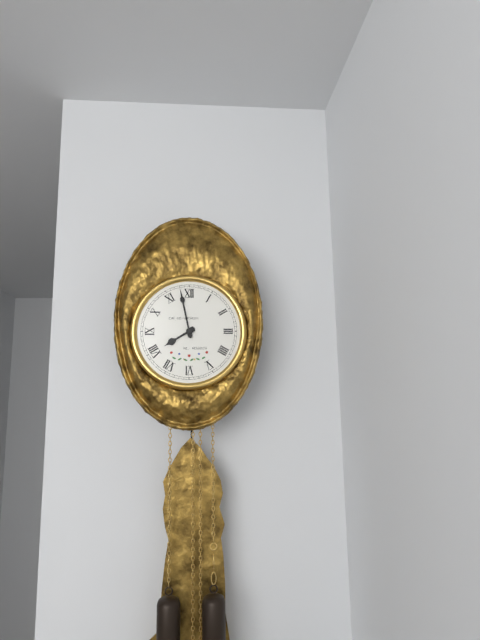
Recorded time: 7.58
